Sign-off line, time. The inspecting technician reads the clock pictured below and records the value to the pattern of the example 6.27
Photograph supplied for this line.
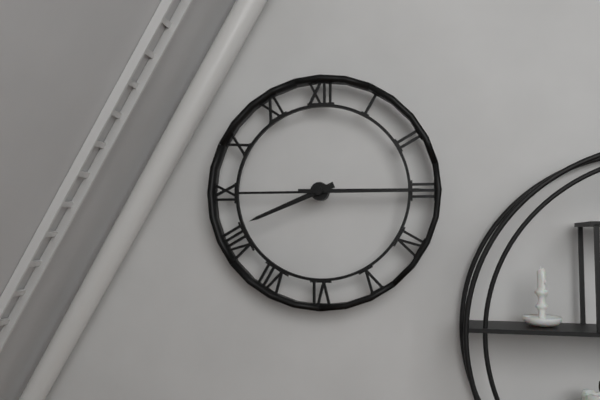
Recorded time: 8.15
